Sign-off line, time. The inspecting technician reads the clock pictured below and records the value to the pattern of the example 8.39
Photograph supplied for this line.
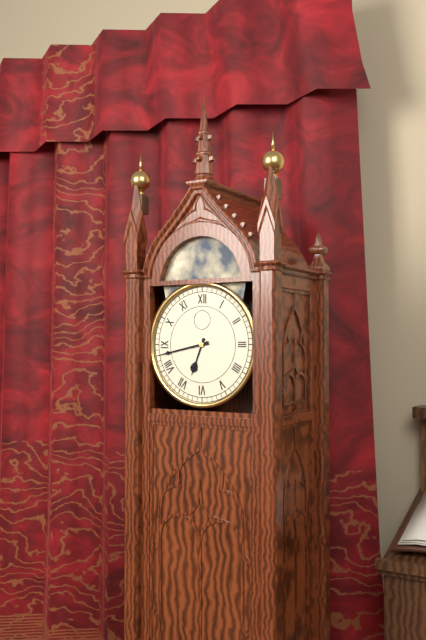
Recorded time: 6.43
